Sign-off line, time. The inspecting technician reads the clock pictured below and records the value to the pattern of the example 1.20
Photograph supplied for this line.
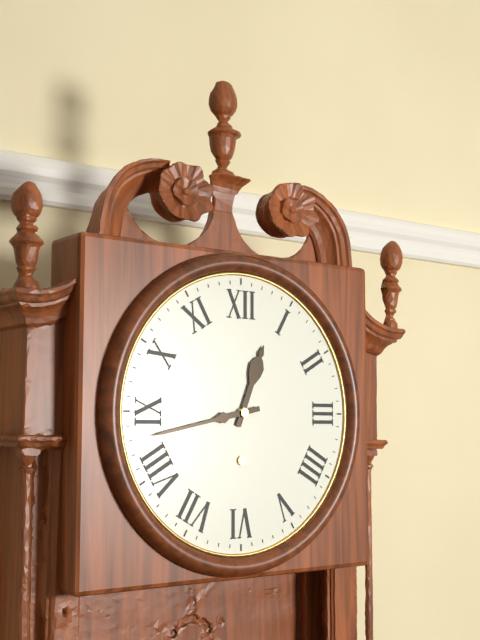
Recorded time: 12.43
